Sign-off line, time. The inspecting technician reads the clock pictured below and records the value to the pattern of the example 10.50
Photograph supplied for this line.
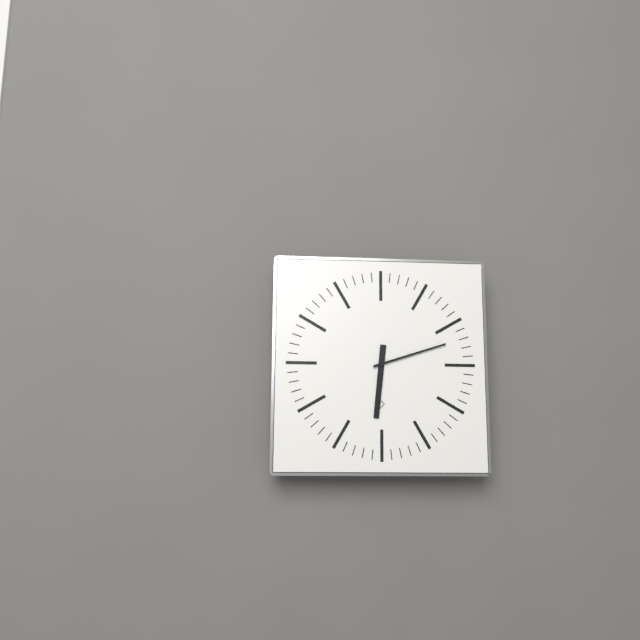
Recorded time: 6.12
